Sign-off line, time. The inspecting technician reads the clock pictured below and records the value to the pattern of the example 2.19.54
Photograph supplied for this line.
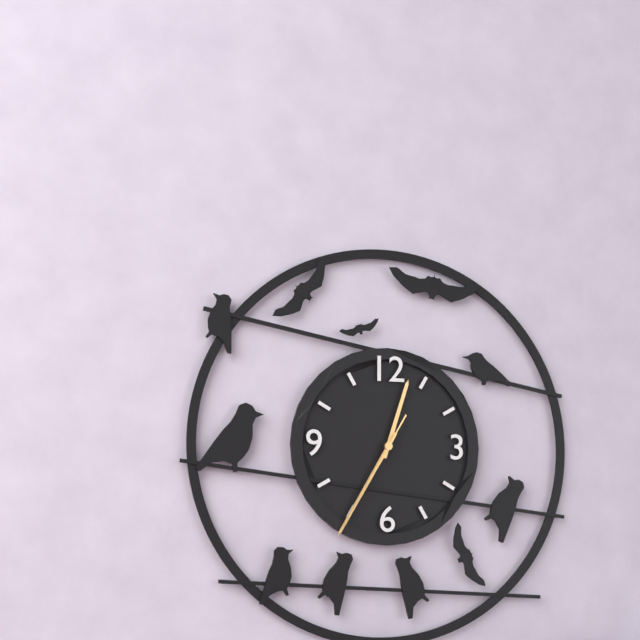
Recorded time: 12.35.35
